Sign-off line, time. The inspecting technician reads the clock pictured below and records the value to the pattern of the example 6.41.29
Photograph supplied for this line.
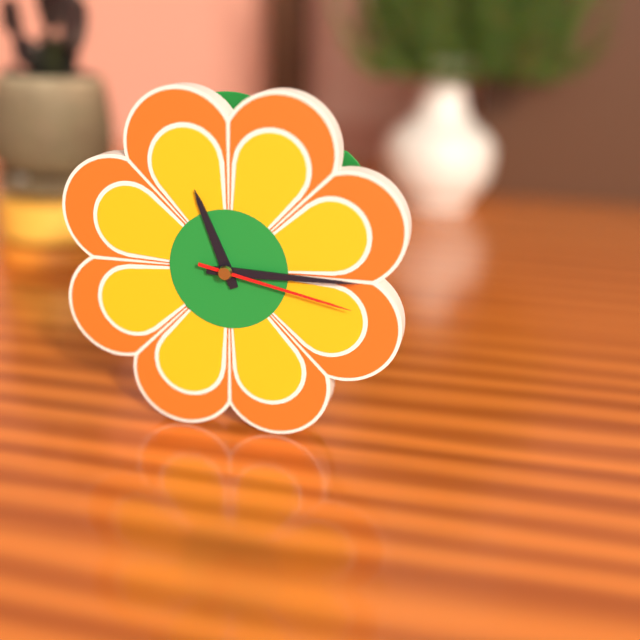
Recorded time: 11.15.17
